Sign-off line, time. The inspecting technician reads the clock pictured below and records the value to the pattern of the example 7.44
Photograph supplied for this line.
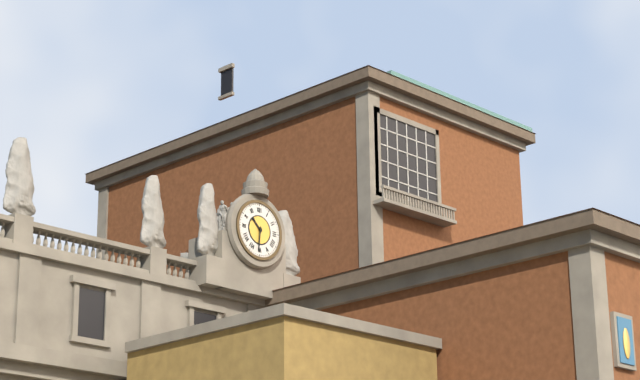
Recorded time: 10.31
